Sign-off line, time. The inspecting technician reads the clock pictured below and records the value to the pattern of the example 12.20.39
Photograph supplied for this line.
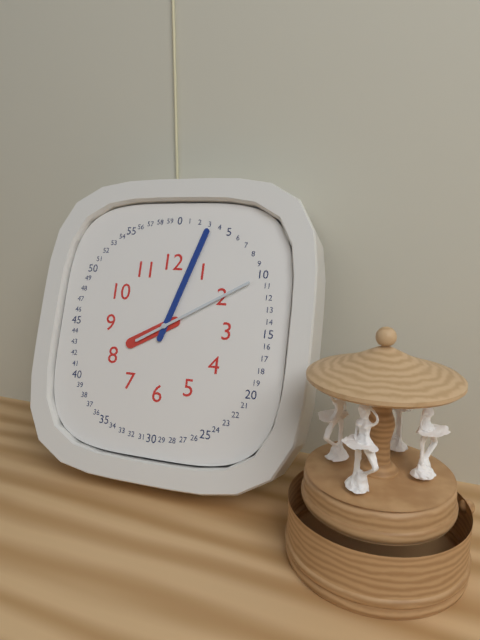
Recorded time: 8.03.10
